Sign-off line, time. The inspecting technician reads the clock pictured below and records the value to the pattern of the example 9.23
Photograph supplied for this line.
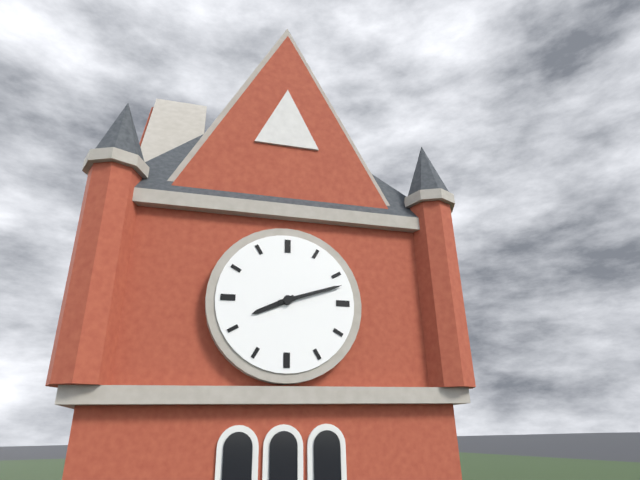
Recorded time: 8.12
